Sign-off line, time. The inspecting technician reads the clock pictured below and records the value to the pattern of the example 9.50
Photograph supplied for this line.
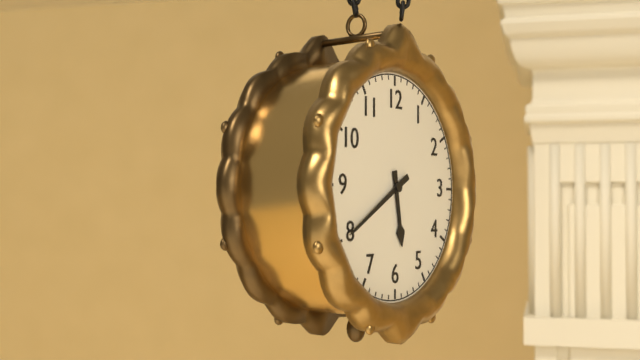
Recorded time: 5.40
